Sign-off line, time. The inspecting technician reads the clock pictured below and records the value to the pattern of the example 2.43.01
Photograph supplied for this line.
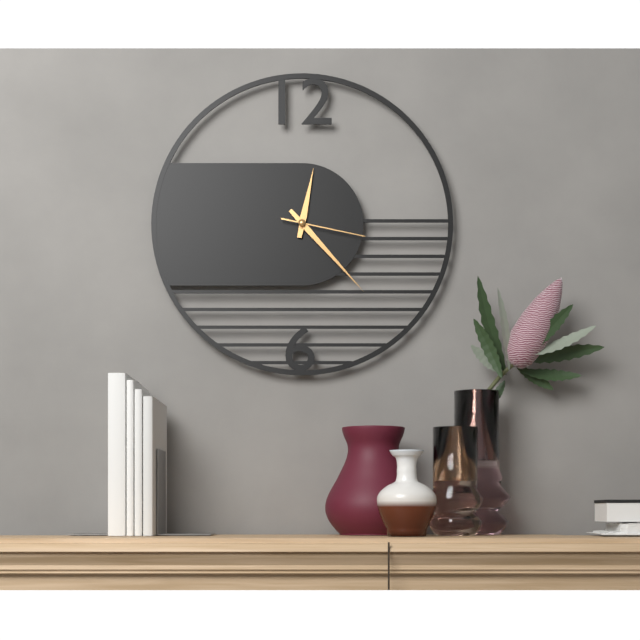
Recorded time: 12.23.17
